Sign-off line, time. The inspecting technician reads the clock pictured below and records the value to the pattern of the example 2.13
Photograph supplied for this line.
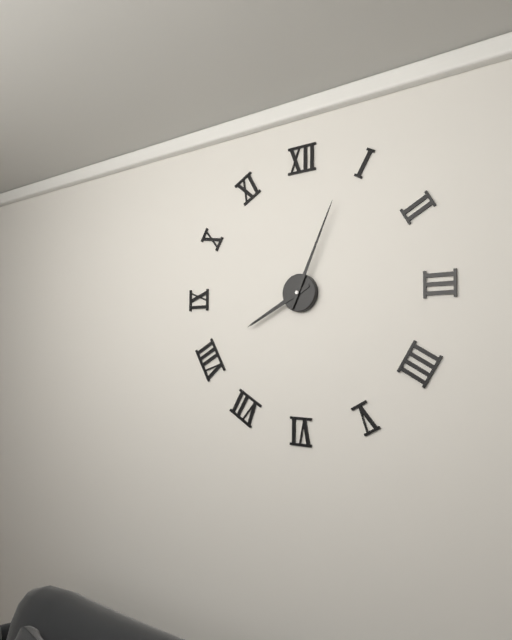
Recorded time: 8.04
